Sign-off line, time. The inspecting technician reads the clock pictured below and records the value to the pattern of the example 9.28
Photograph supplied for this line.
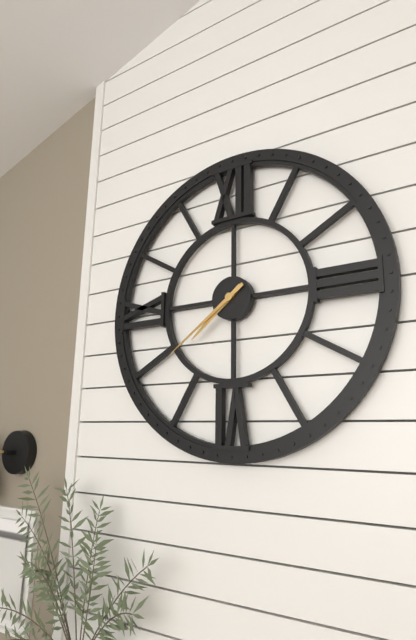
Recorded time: 7.39
